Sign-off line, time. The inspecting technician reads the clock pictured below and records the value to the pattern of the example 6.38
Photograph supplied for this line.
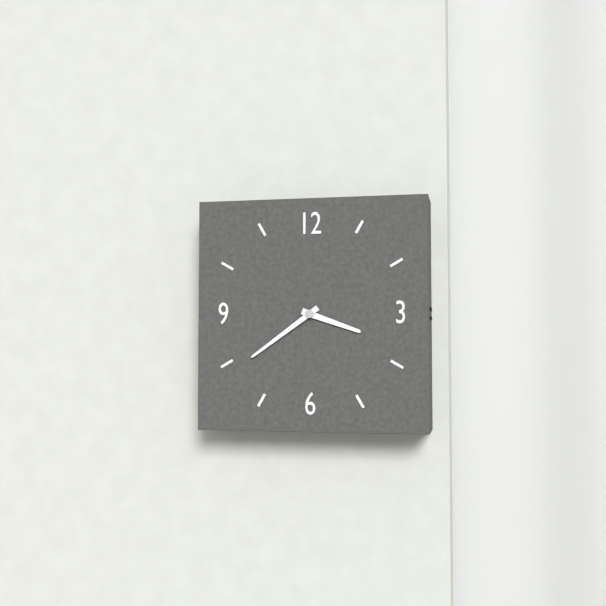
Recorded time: 3.39
